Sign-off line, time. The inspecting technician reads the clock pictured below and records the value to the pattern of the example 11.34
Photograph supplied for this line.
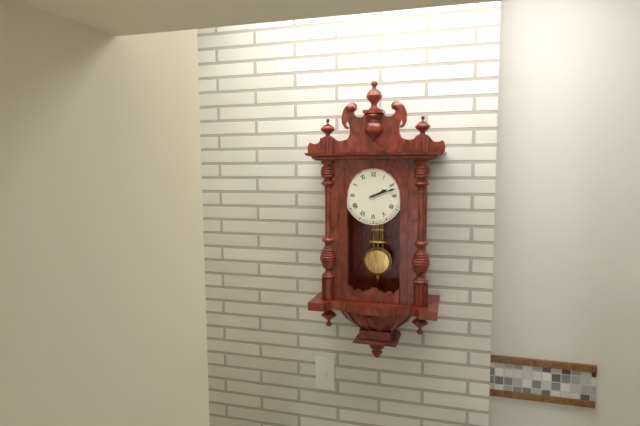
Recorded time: 2.12
